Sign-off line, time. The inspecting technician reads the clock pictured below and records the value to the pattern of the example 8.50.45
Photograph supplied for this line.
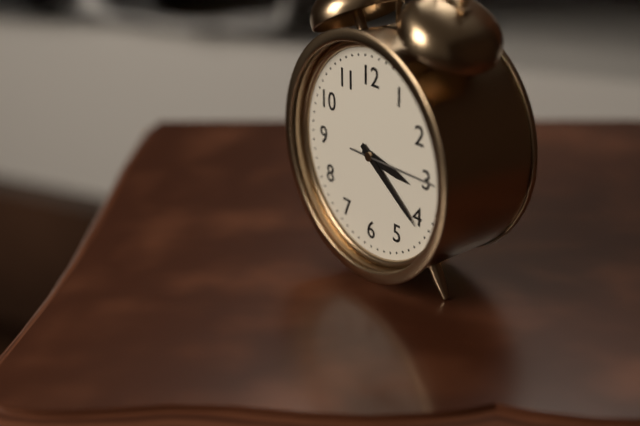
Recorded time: 3.21.15
